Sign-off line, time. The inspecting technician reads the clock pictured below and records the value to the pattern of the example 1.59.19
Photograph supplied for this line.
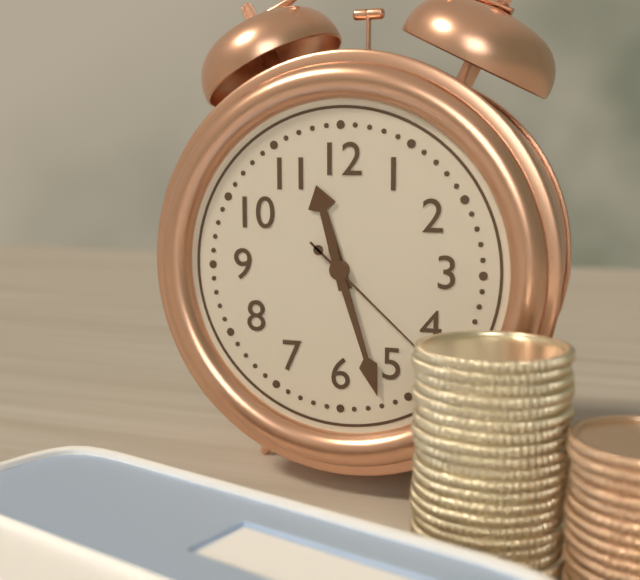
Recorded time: 11.27.22
